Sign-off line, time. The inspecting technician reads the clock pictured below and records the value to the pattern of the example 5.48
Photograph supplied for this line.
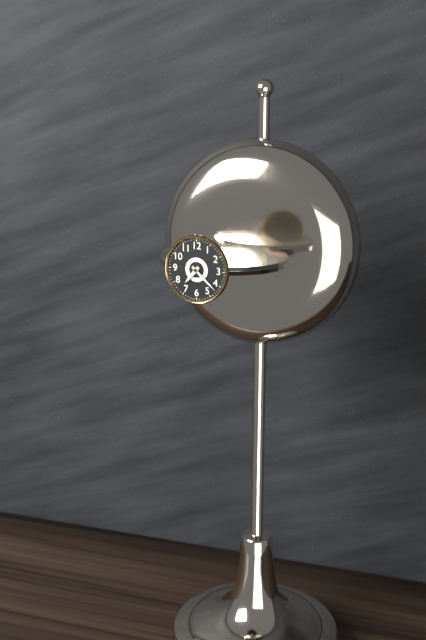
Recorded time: 7.22
